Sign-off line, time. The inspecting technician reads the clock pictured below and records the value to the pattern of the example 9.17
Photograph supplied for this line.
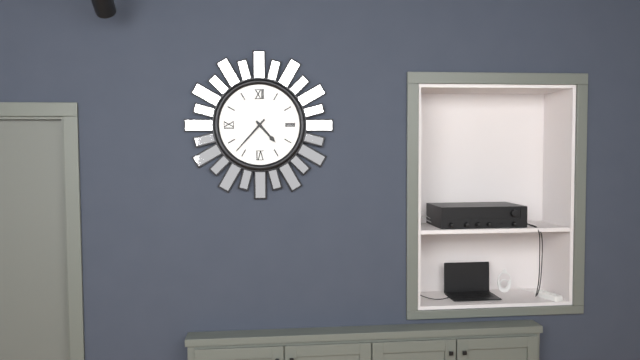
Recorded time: 4.37
